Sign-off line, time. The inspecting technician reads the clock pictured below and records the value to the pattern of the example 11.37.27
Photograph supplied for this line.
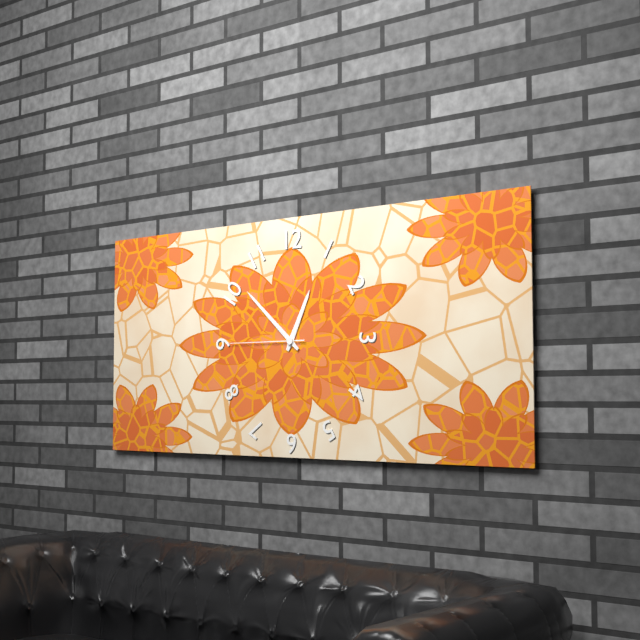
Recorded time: 12.52.45
